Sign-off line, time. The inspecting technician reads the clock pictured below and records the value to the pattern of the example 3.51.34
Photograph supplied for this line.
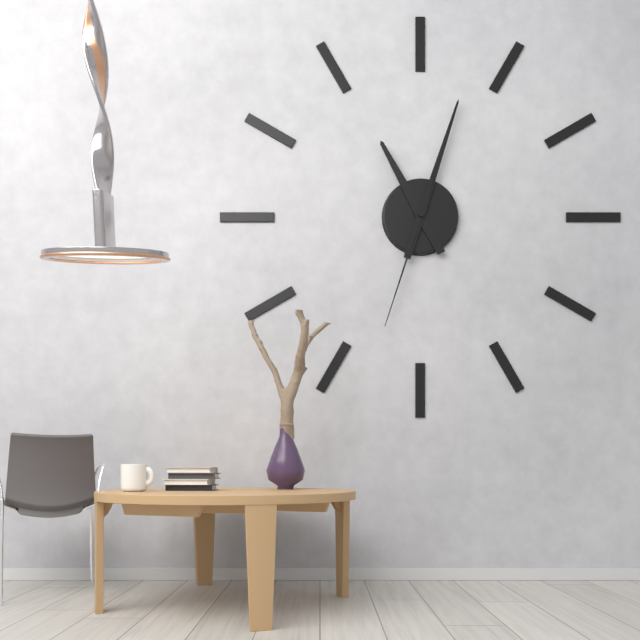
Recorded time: 11.03.33
